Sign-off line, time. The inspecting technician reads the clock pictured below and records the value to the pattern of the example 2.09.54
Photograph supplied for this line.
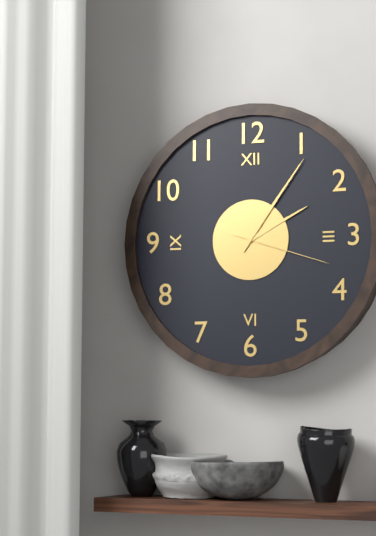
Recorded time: 2.06.18
